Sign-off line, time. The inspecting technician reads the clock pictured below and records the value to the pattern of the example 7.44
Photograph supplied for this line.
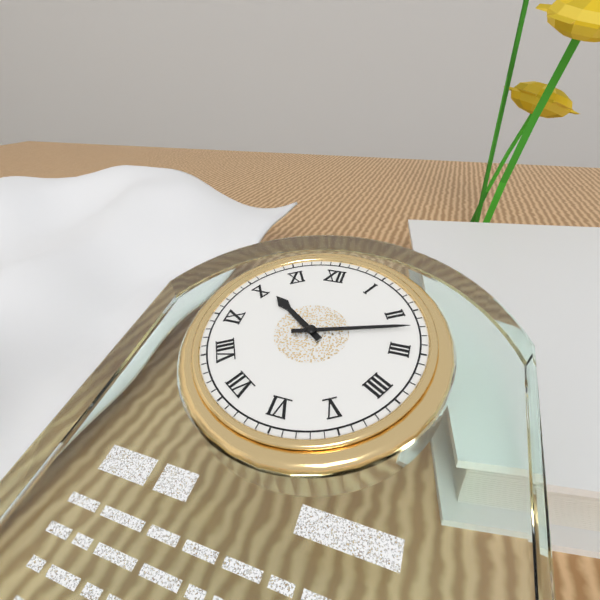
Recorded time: 10.12
